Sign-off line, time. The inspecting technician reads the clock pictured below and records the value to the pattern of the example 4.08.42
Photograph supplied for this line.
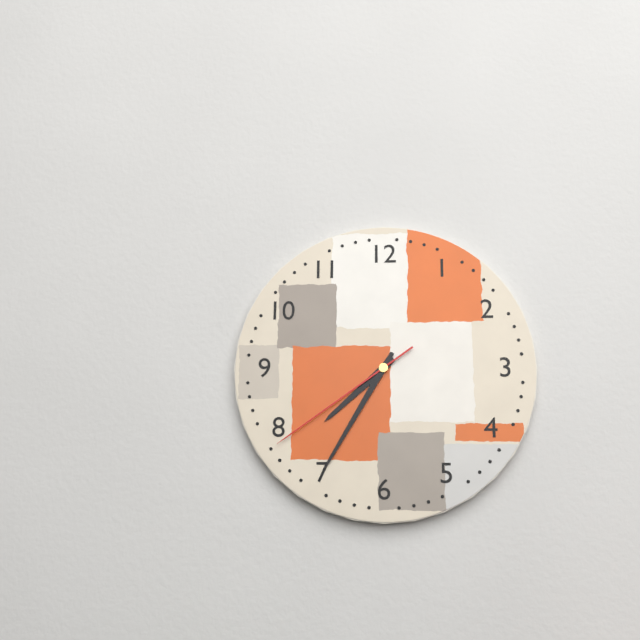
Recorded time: 7.35.39
